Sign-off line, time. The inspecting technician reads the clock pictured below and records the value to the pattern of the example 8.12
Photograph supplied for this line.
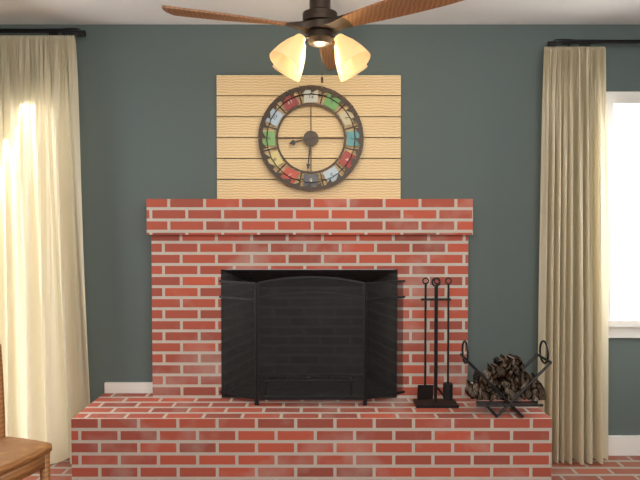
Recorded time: 8.31
